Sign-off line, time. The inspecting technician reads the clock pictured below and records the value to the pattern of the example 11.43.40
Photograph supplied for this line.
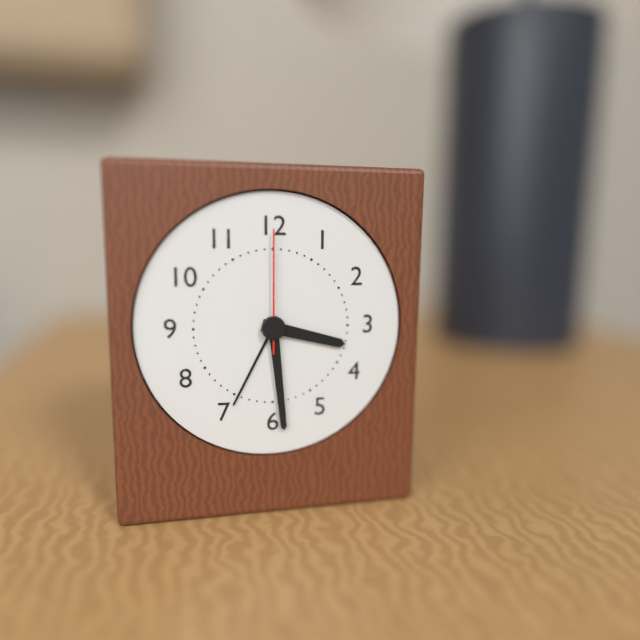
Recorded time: 3.29.00
